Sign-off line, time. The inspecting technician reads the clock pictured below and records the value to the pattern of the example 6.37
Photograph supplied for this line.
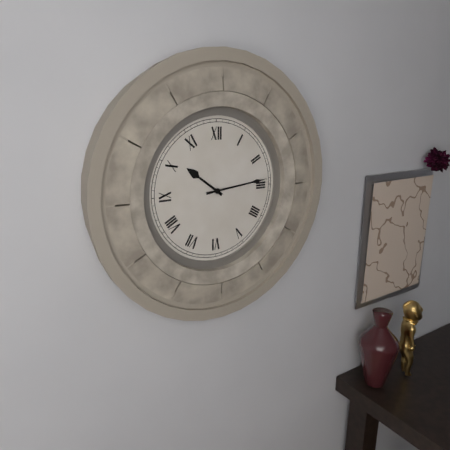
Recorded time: 10.14
